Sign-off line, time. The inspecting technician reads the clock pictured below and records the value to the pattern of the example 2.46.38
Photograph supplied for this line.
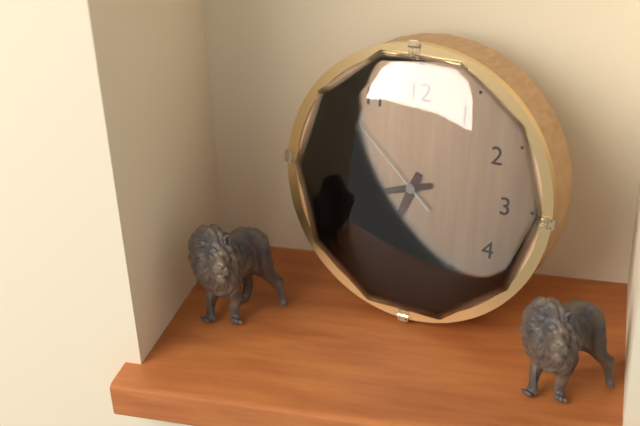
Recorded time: 6.42.52
